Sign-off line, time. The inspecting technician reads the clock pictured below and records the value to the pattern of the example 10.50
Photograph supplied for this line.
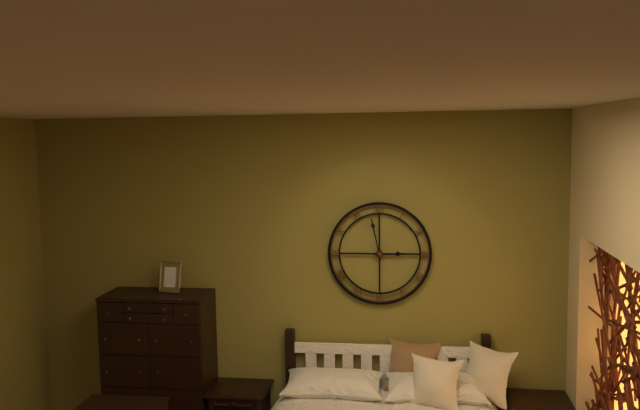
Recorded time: 2.58
